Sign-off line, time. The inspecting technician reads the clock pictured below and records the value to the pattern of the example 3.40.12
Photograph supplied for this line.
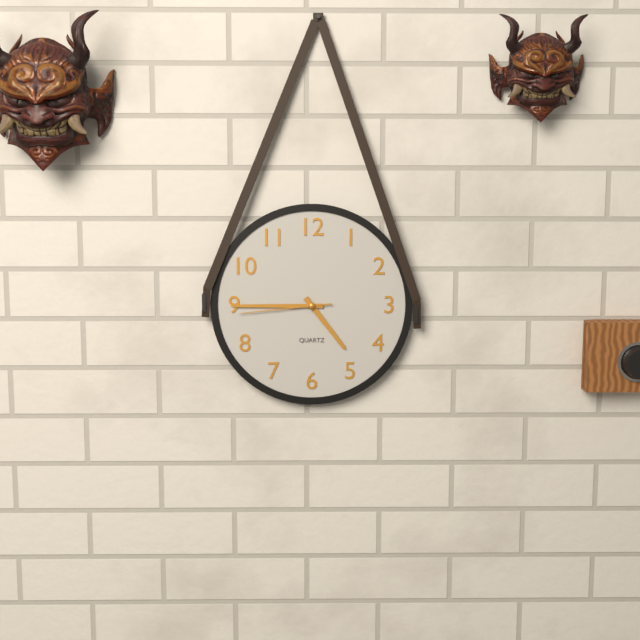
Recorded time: 4.45.44
